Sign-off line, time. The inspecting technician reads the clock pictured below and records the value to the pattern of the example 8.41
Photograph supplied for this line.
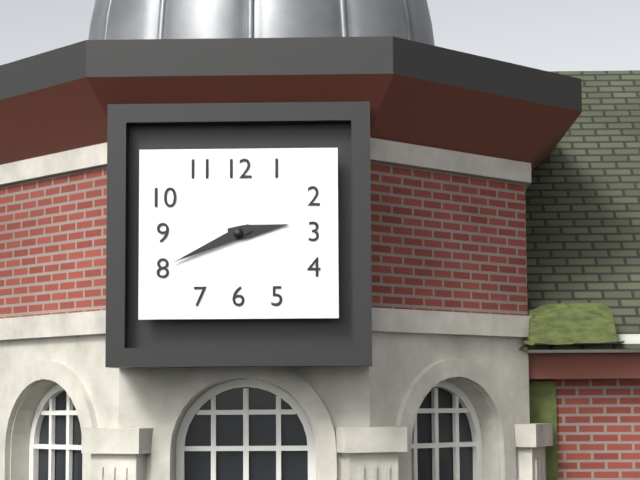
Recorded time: 2.41
